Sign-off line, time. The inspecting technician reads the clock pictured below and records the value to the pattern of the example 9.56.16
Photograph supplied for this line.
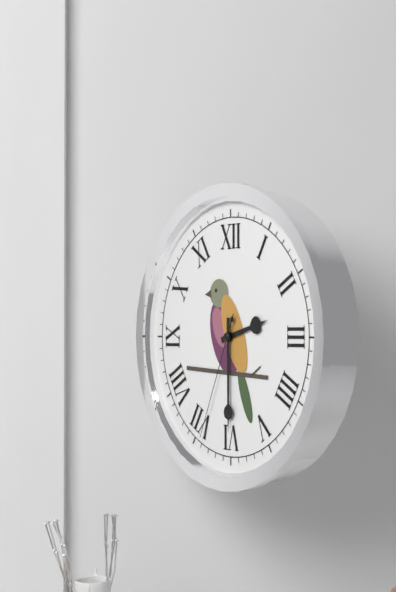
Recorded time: 2.30.34
